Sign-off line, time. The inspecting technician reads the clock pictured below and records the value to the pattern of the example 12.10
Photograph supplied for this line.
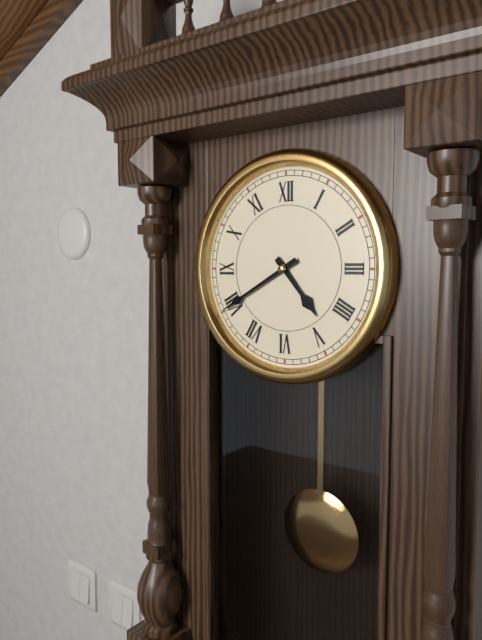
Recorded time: 4.40
